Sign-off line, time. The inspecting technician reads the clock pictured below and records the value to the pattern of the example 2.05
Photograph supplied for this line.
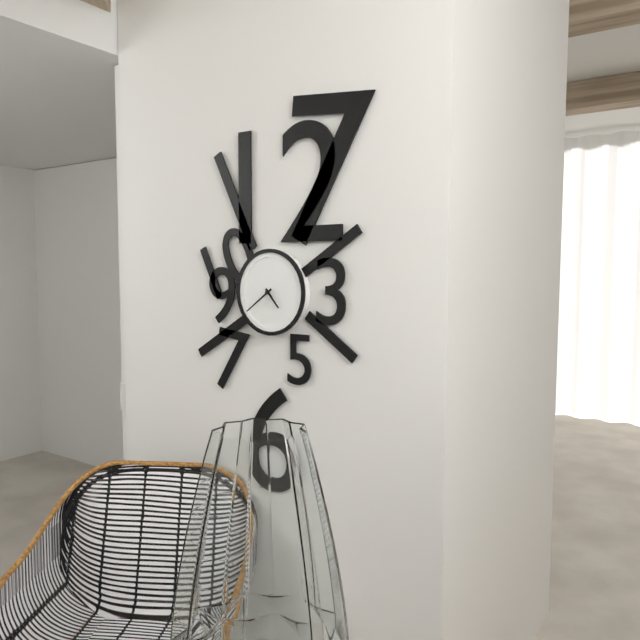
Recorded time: 4.39
